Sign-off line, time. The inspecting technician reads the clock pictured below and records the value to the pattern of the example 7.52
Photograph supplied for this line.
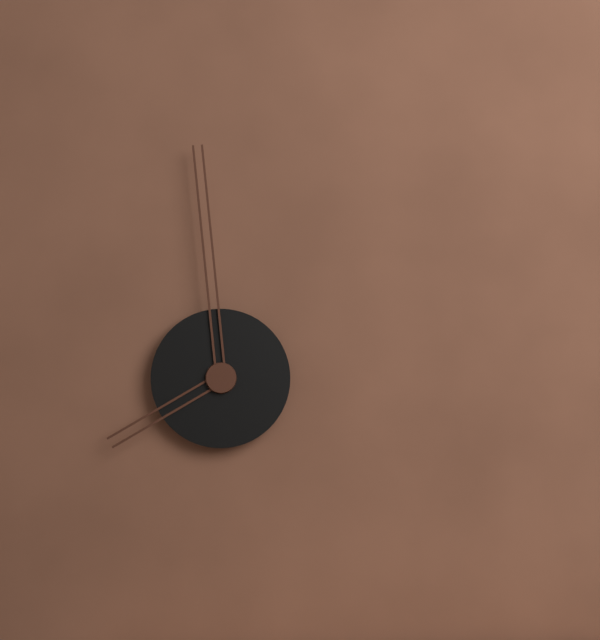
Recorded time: 7.59
